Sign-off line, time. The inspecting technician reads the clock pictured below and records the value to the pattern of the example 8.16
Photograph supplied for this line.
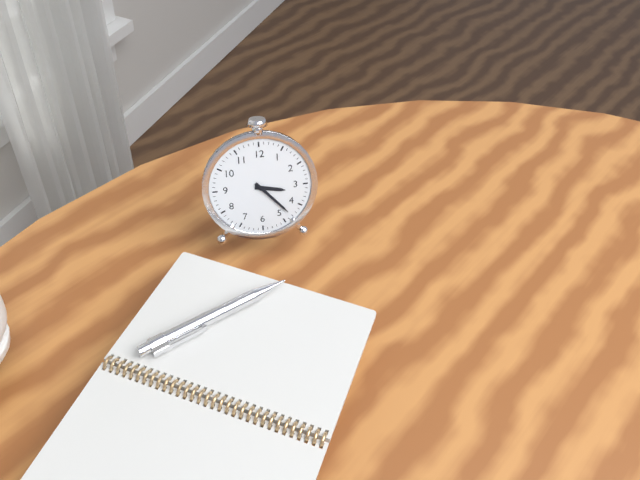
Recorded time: 3.23
